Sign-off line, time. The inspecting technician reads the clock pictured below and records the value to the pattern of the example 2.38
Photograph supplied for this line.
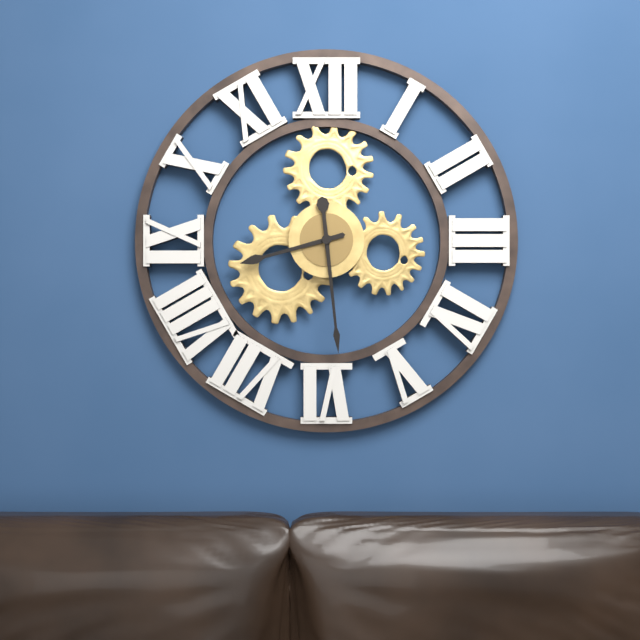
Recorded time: 8.29
